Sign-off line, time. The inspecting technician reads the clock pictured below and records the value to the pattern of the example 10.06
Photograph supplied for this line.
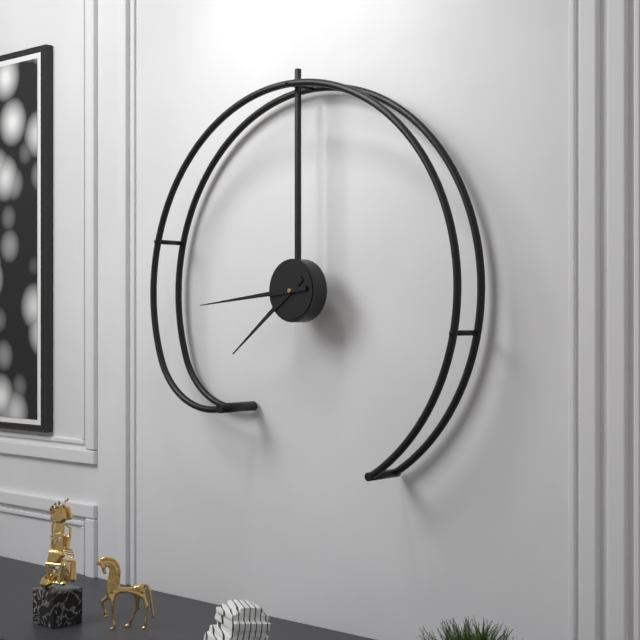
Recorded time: 7.44
